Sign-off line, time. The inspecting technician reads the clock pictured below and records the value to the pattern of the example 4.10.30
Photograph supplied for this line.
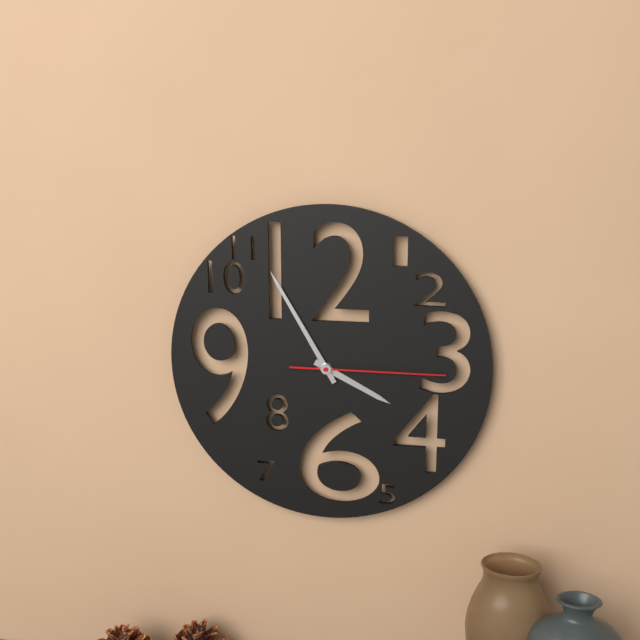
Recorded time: 3.55.15
